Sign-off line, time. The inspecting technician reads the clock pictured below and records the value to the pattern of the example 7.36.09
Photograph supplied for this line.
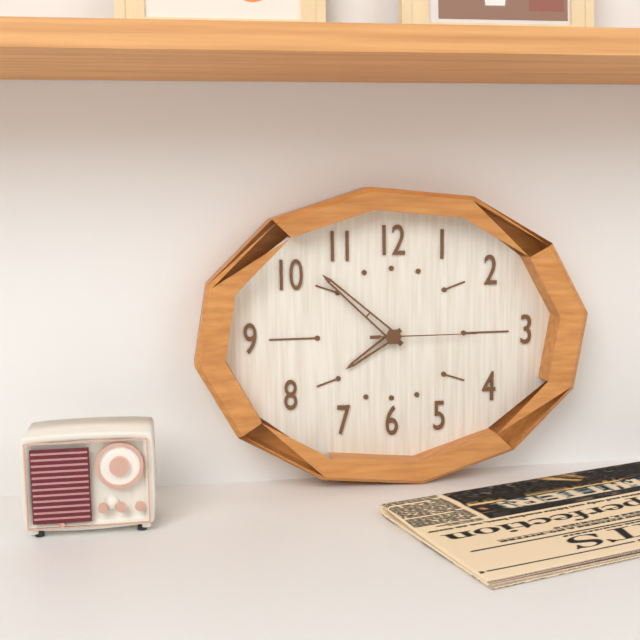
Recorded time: 7.52.15
